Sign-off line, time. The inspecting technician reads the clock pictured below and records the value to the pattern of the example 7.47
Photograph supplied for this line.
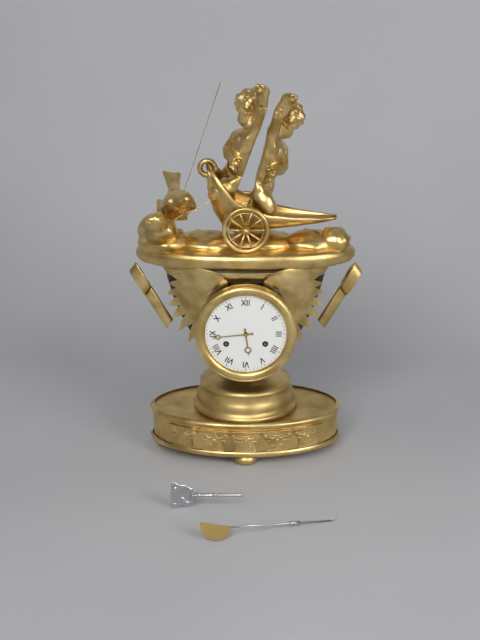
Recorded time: 5.44
